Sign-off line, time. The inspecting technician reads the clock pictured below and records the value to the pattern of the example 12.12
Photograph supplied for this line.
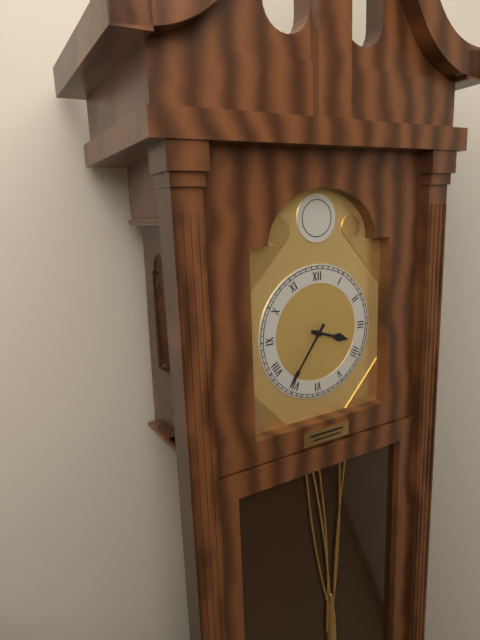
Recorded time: 3.36
